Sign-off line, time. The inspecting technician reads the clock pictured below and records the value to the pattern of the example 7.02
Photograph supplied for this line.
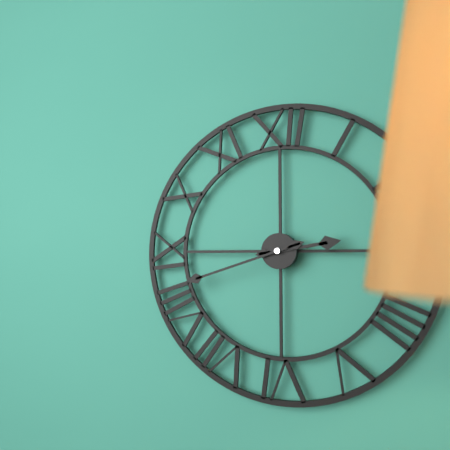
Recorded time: 2.42
